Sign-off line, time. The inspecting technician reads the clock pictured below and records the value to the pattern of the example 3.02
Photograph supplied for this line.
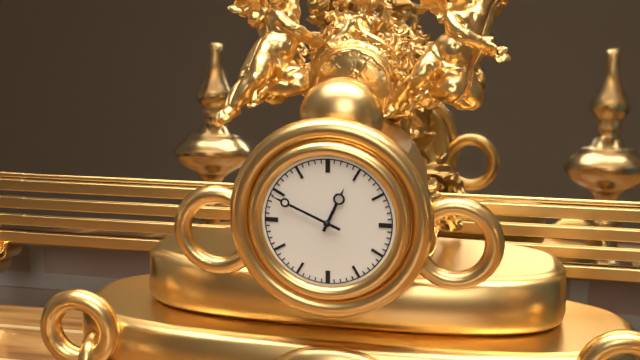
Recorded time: 12.49
